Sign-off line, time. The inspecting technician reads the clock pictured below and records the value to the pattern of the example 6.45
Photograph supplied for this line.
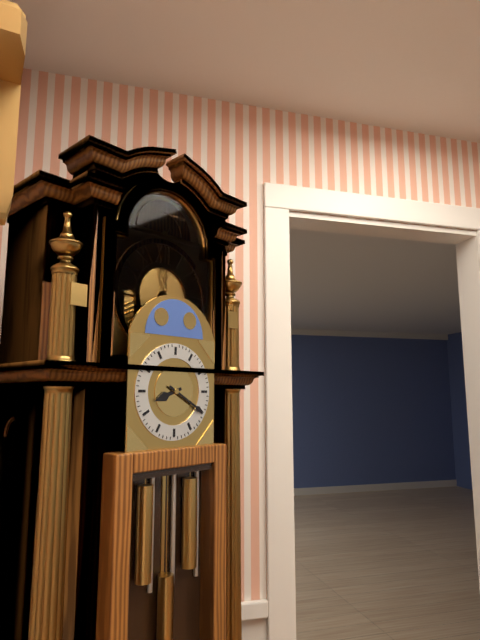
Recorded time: 8.20
